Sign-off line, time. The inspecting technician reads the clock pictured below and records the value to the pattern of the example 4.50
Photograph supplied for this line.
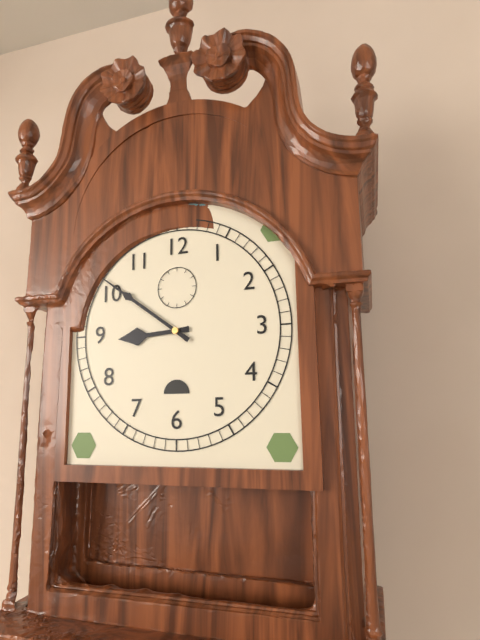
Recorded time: 8.51
